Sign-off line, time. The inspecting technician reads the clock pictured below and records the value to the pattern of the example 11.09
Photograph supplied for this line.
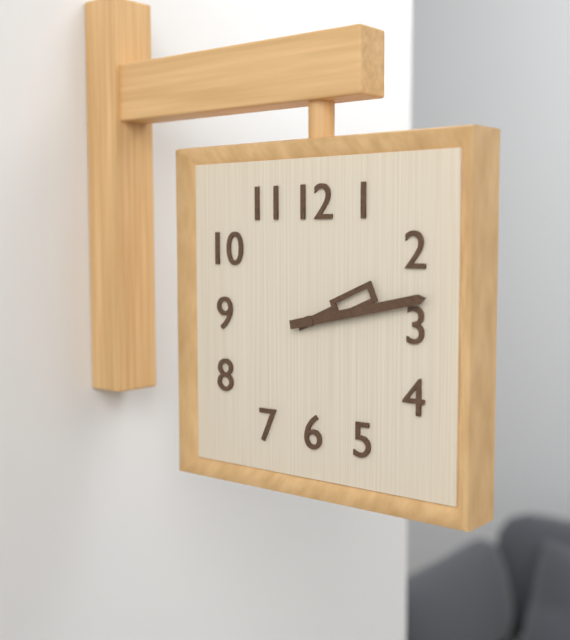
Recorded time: 2.13
